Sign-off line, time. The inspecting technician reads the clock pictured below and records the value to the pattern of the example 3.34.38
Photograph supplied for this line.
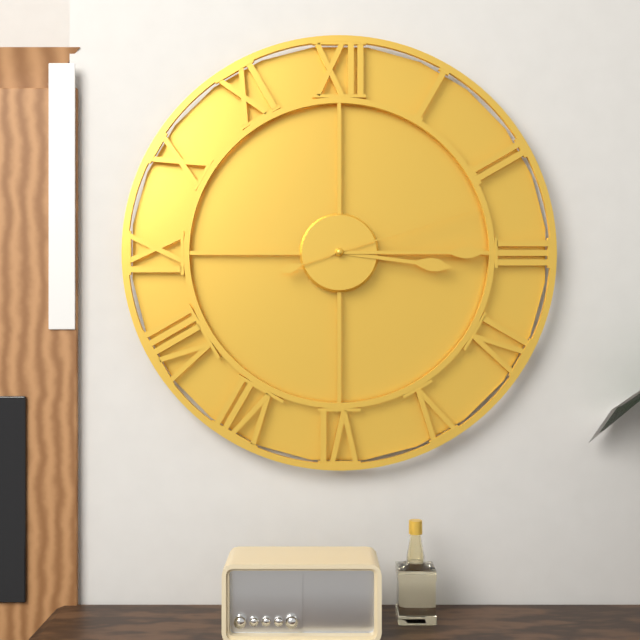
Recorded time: 3.15.12
